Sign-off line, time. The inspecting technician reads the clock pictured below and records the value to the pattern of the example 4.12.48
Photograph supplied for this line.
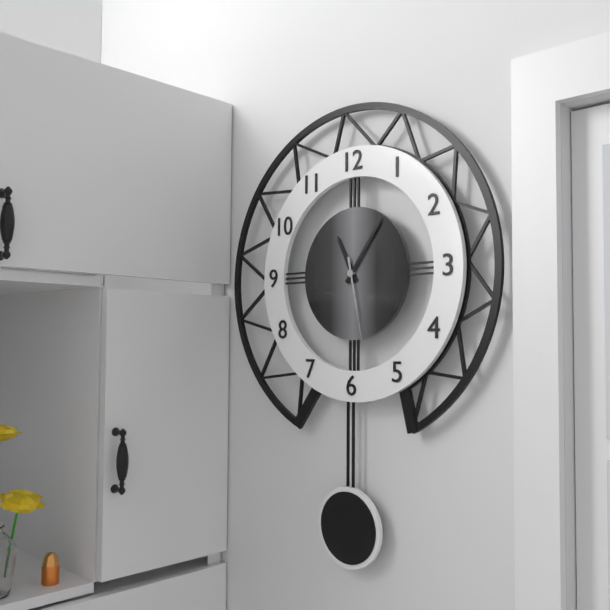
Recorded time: 11.06.28
